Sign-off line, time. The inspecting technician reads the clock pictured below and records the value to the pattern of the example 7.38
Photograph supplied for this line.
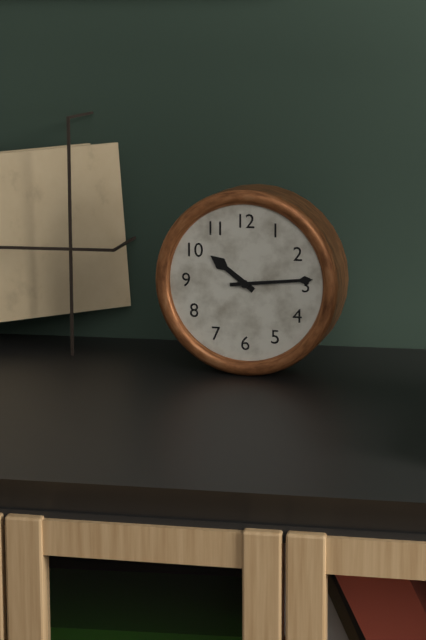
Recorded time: 10.14
